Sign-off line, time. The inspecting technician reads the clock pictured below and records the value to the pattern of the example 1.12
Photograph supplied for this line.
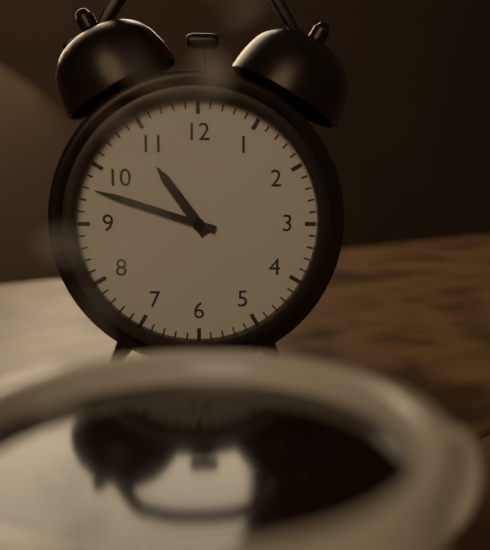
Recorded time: 10.48
